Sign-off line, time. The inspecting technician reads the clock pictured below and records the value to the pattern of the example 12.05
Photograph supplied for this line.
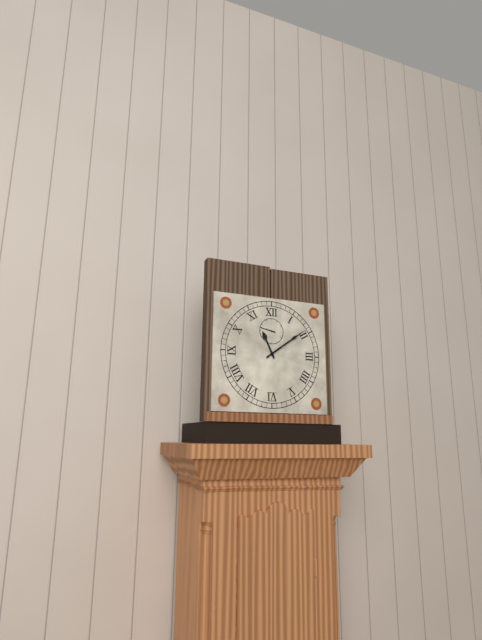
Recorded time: 11.09
